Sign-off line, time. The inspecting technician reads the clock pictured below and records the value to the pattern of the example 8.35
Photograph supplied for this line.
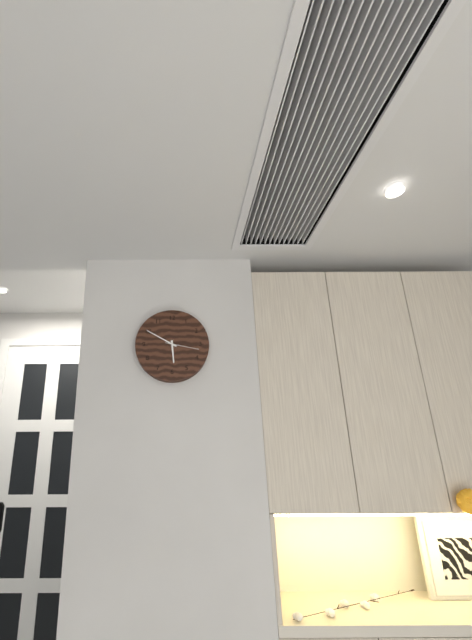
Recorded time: 5.50
